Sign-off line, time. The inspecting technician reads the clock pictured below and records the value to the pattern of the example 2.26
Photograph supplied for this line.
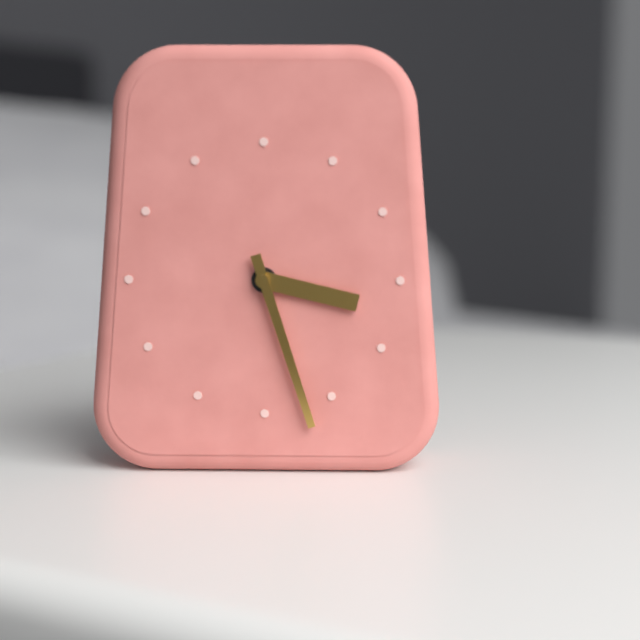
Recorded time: 3.27
